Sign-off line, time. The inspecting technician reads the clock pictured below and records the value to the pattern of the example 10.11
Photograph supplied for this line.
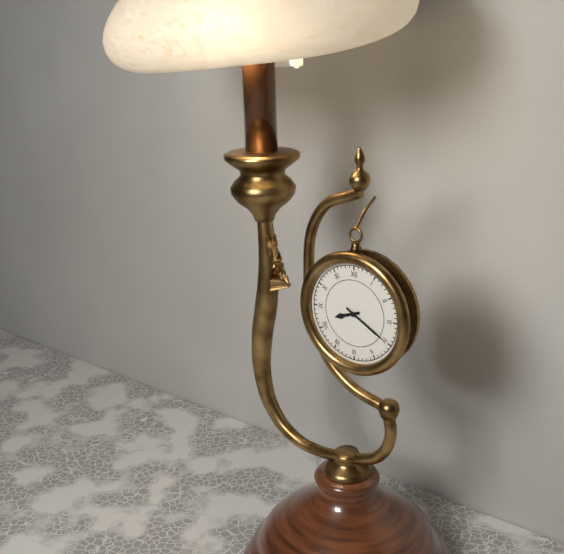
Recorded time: 8.20
